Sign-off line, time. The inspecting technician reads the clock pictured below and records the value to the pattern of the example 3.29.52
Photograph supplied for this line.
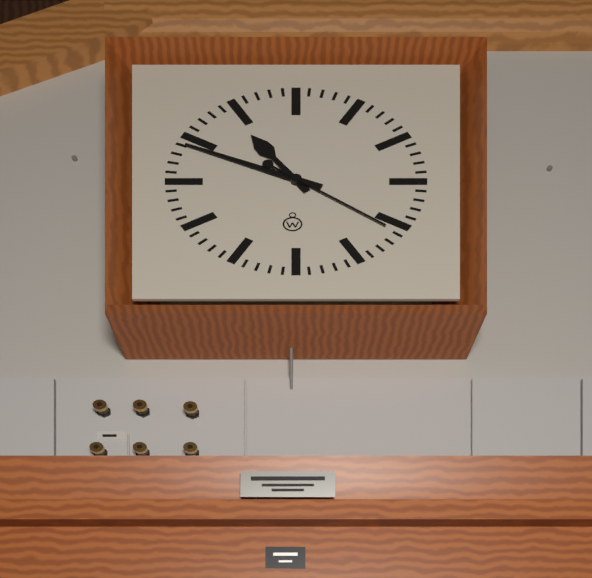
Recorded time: 10.49.21
